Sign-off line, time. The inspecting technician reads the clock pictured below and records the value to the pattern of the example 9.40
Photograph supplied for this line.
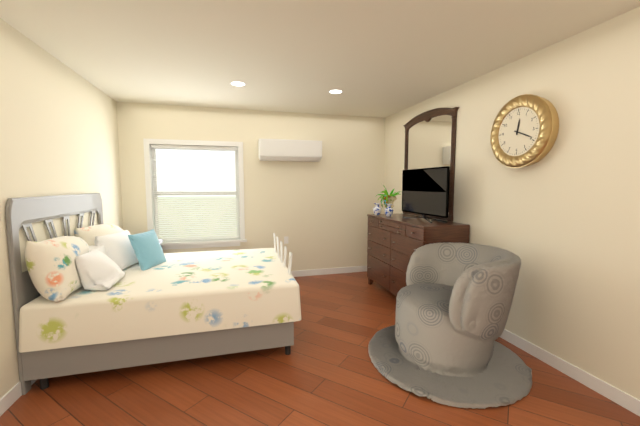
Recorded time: 12.19
